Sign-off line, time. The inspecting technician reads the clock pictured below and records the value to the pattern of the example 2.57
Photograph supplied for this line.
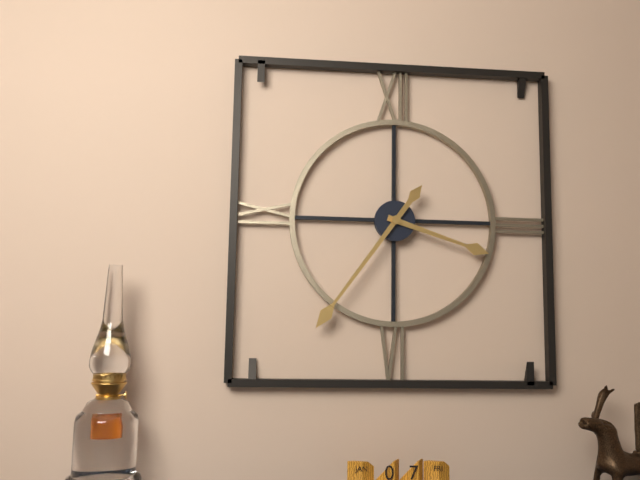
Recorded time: 3.36
